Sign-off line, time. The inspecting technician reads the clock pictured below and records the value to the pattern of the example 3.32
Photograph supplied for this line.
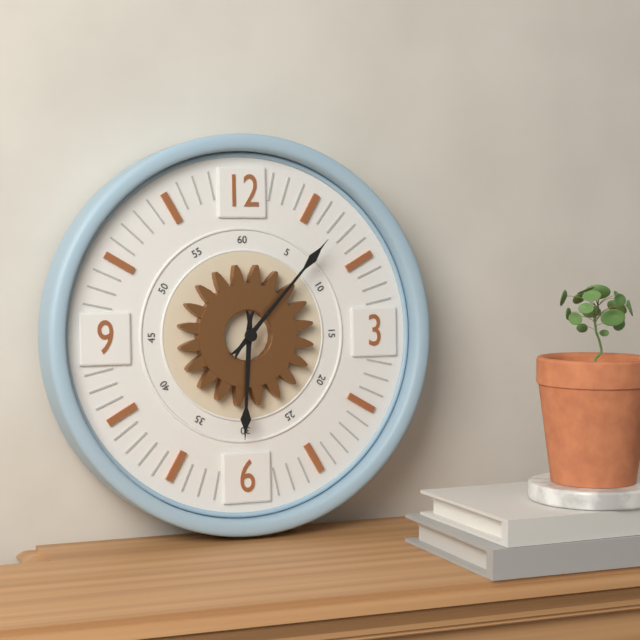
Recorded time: 6.07
